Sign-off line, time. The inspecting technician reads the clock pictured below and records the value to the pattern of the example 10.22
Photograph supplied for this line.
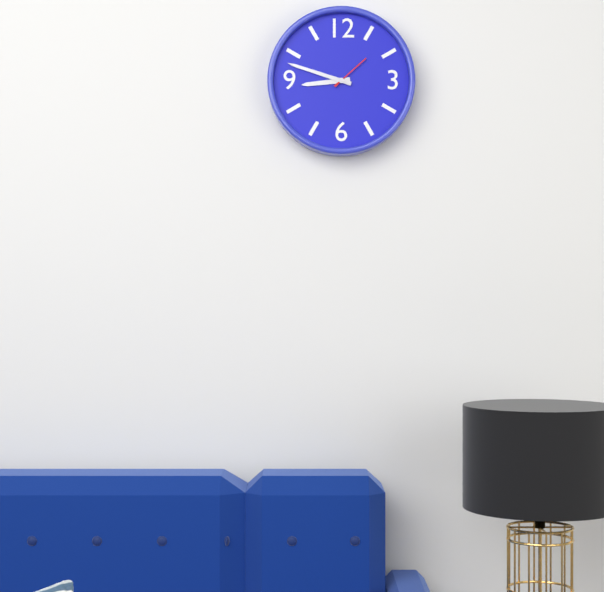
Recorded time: 8.48
